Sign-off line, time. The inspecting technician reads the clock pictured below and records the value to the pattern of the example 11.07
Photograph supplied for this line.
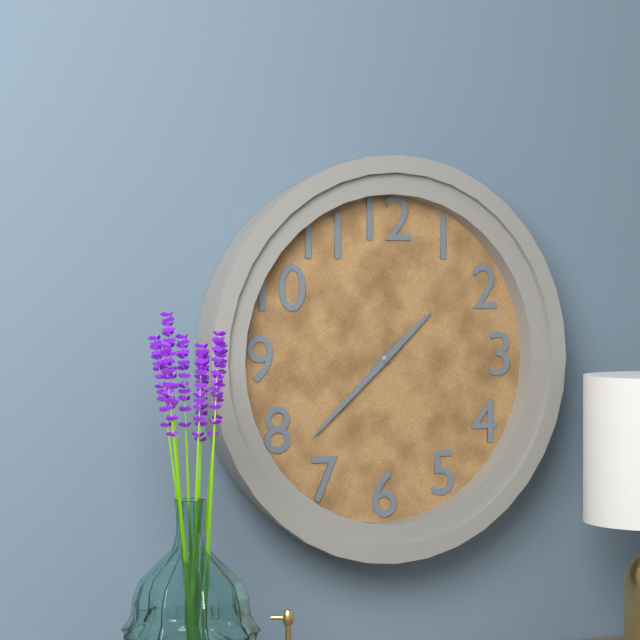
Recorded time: 1.38
